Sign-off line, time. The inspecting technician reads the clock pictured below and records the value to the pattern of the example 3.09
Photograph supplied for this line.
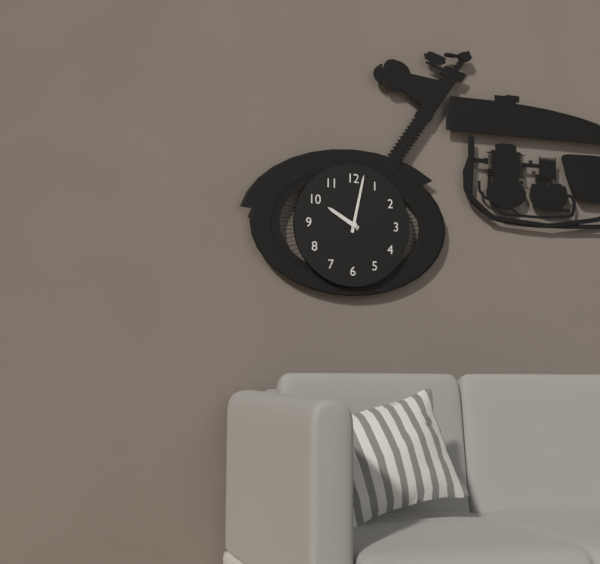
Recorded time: 10.02
